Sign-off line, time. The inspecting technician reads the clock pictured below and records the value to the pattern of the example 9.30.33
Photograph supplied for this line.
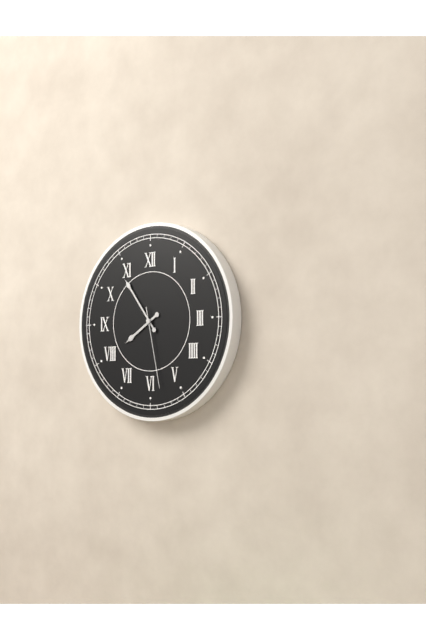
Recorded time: 7.54.28
